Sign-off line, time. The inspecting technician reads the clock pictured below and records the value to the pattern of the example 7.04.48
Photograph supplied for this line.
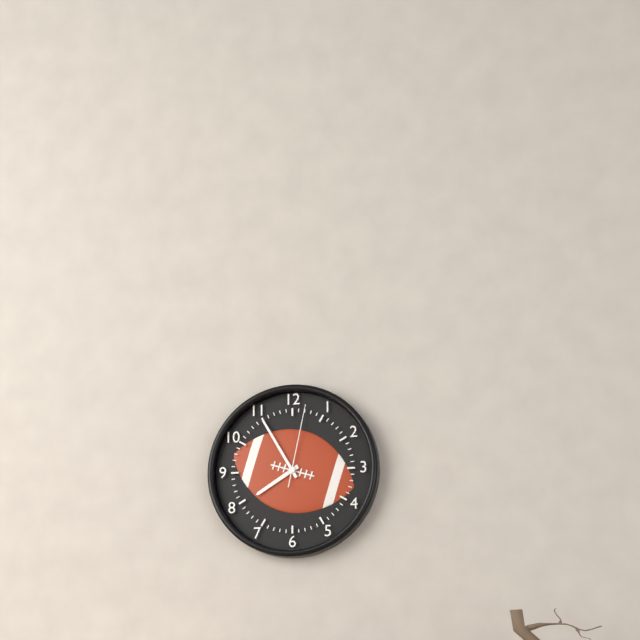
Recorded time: 7.55.02
